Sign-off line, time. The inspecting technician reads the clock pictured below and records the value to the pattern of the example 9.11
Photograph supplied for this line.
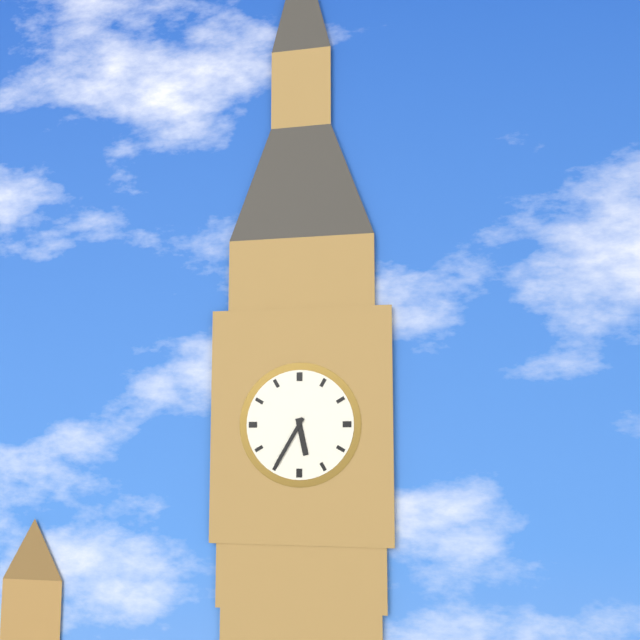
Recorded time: 5.35
